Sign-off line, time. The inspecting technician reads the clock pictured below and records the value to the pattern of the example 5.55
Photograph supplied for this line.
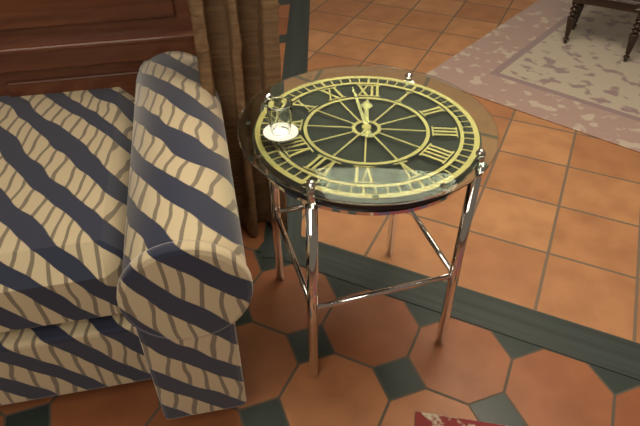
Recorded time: 11.58
